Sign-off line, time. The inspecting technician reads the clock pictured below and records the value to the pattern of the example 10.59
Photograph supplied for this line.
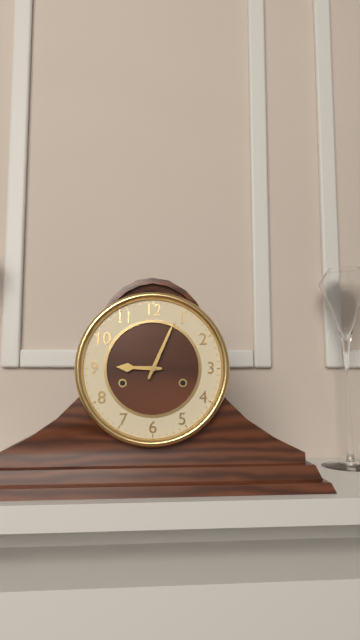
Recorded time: 9.04
